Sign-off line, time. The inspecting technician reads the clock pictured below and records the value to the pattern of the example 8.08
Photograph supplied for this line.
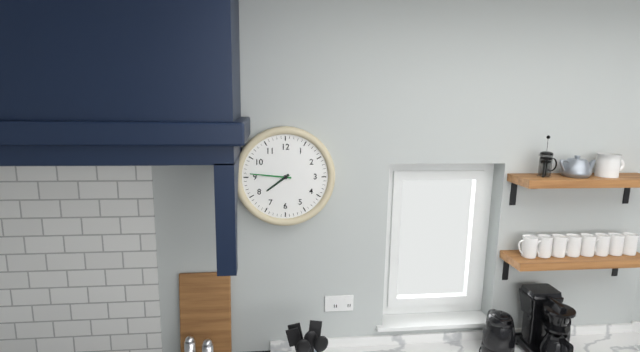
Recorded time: 7.46
